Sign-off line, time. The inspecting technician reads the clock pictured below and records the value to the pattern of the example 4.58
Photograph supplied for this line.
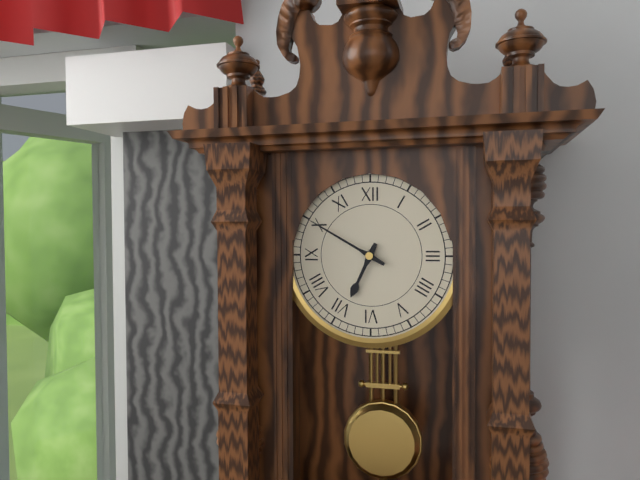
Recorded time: 6.50
